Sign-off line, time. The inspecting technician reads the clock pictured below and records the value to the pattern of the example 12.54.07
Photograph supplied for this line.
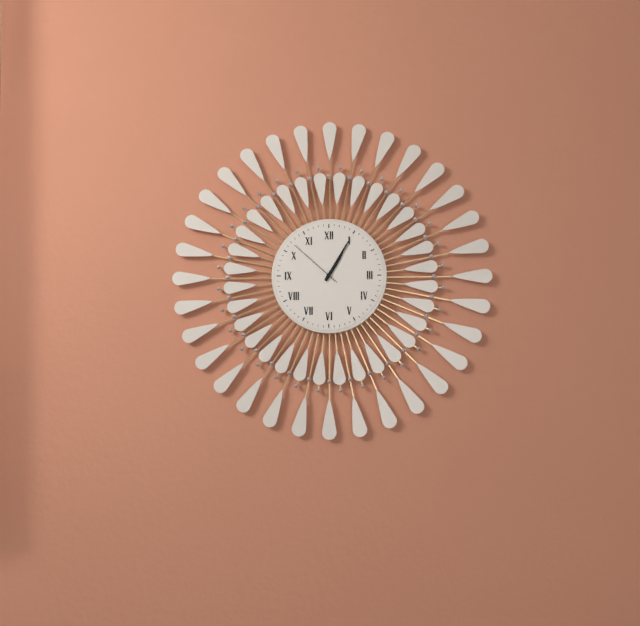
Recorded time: 1.05.52
